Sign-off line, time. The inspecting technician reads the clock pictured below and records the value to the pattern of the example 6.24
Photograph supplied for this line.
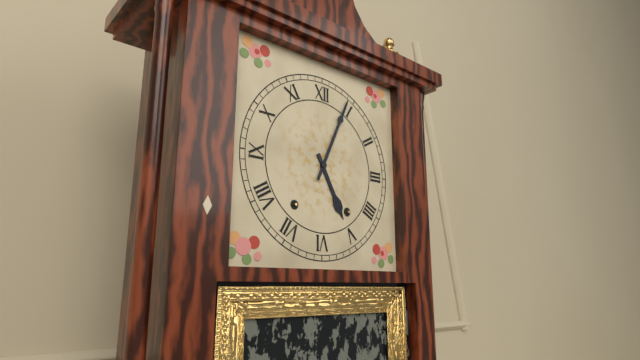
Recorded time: 5.04
